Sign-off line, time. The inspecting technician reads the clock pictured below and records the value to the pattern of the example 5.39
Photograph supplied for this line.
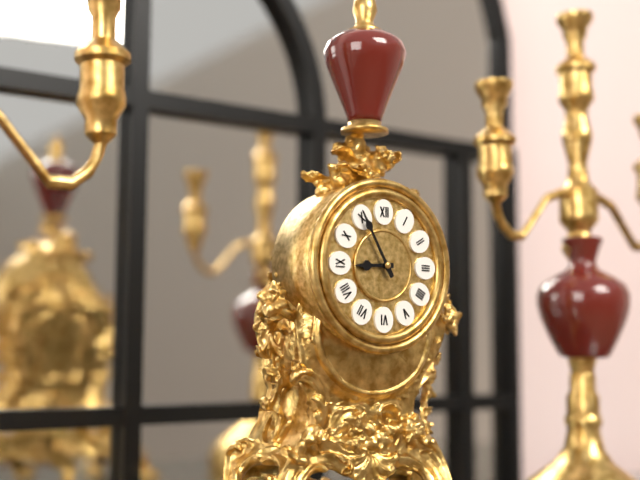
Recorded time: 8.55
